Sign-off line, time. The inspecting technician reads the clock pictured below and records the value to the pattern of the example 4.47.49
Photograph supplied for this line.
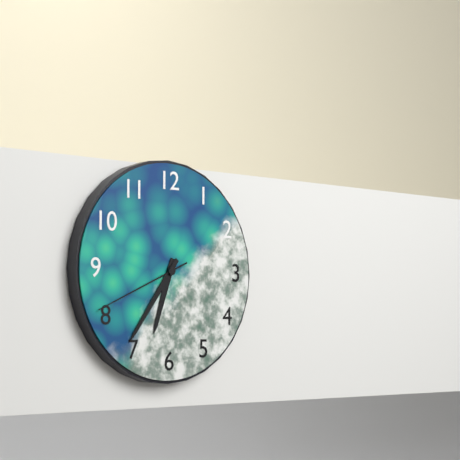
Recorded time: 6.36.41
